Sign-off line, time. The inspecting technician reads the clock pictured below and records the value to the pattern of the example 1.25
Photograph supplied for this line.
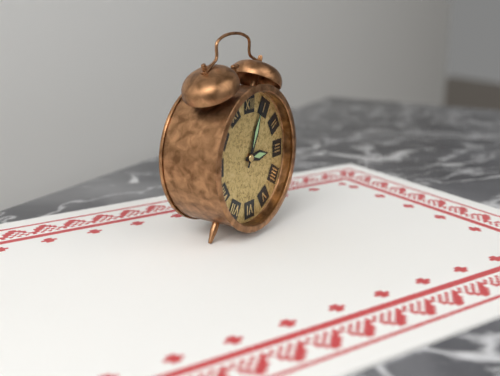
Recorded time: 3.04
